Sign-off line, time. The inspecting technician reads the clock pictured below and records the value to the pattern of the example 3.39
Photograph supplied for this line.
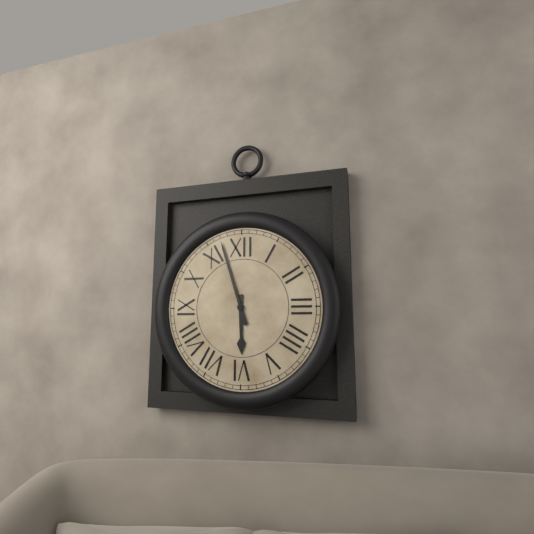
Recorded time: 5.57
